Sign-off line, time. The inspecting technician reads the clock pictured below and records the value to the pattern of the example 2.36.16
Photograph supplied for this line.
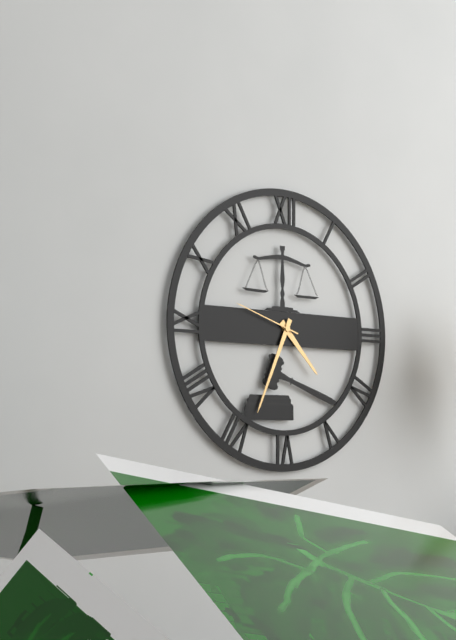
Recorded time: 4.34.48
